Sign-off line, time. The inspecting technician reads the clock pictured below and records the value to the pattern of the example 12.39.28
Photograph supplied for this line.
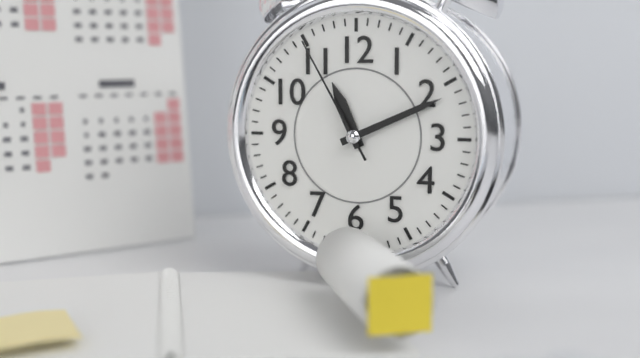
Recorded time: 11.11.55
